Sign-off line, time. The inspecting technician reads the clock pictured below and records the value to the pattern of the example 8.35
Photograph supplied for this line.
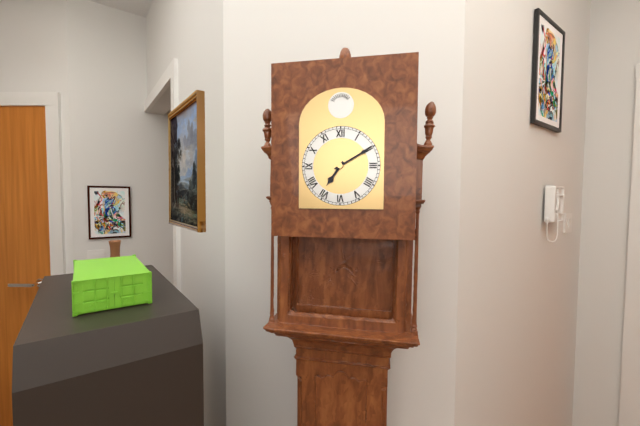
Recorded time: 7.10
